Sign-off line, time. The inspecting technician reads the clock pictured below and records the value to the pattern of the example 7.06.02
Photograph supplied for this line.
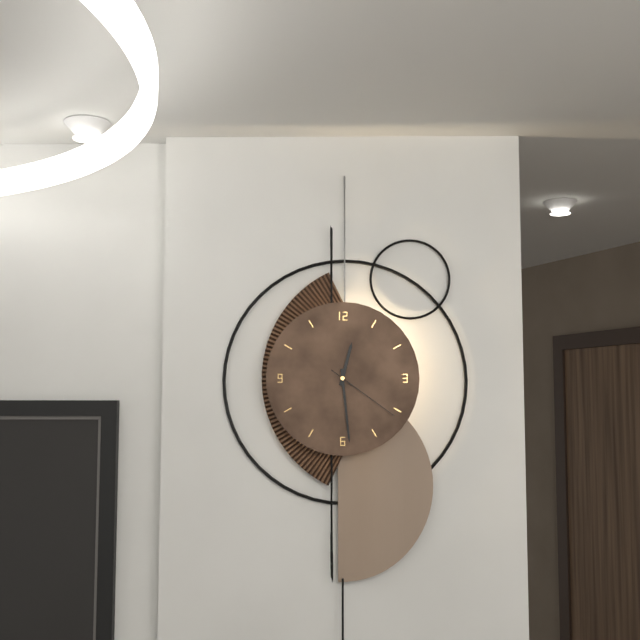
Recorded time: 12.29.21
